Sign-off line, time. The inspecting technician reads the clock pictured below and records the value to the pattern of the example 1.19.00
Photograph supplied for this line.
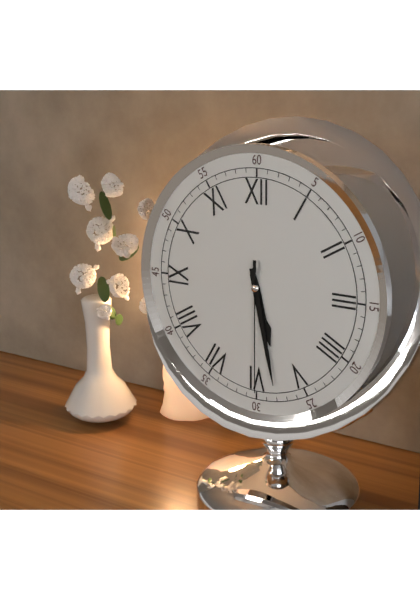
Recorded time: 5.28.30
